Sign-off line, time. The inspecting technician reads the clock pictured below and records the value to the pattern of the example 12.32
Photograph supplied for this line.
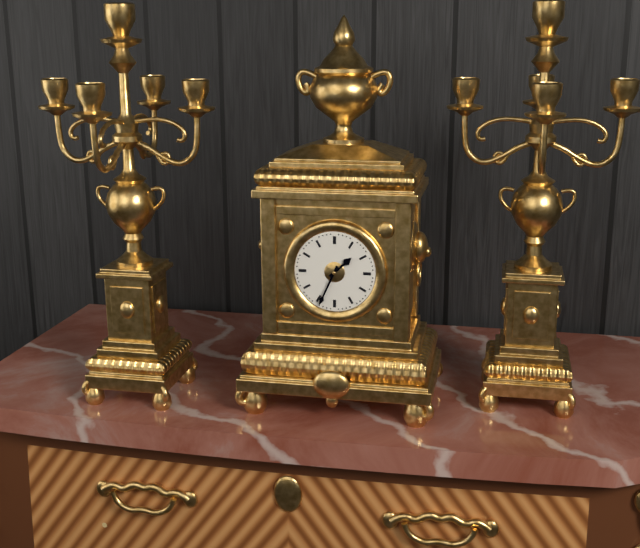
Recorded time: 1.34
